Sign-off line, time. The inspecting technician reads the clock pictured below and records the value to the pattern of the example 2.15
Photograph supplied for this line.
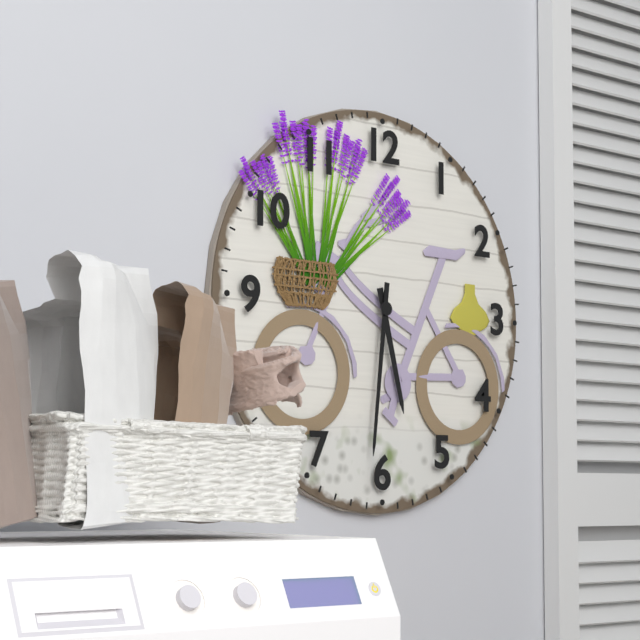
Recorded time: 5.31
